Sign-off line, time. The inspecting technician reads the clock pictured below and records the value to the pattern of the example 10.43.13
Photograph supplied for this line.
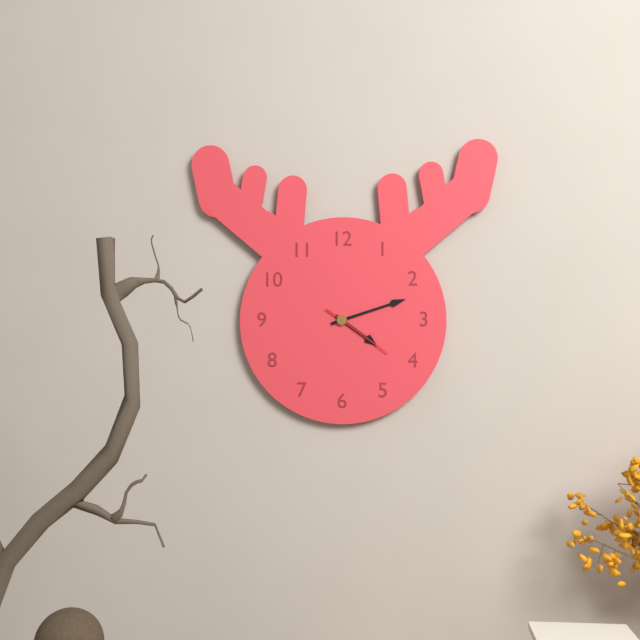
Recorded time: 4.12.21
